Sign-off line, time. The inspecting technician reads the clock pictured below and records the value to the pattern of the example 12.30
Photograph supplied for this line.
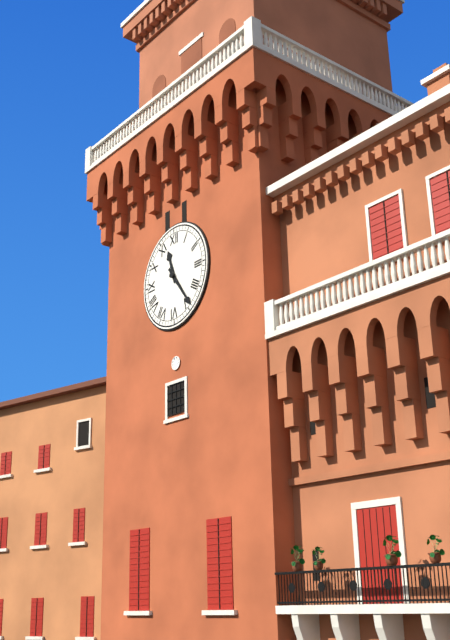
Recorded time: 11.24
